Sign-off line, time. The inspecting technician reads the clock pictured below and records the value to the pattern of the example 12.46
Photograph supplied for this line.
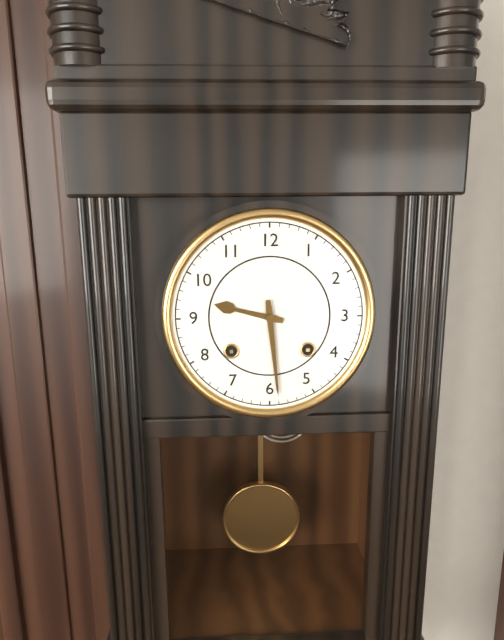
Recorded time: 9.29
